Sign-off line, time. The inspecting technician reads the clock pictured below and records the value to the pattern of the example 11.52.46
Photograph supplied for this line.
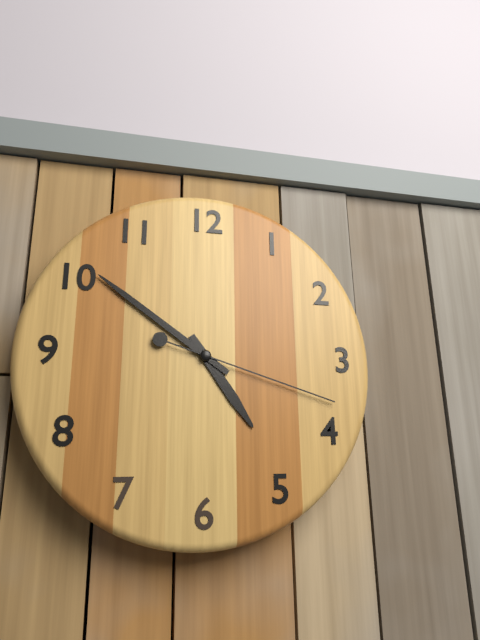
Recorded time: 4.51.18
